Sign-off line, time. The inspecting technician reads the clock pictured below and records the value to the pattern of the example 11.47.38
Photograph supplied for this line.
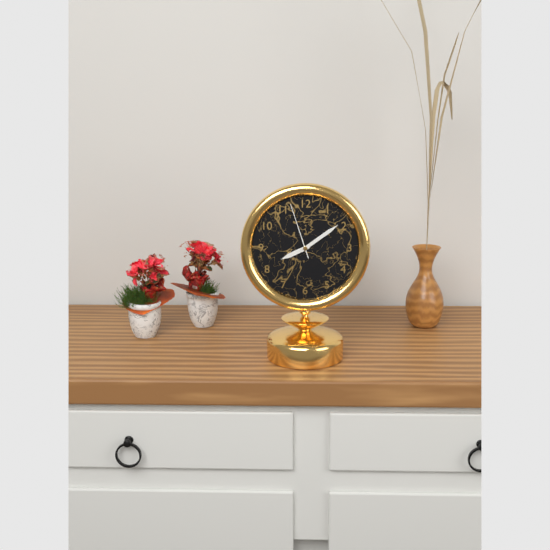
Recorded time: 8.09.57
